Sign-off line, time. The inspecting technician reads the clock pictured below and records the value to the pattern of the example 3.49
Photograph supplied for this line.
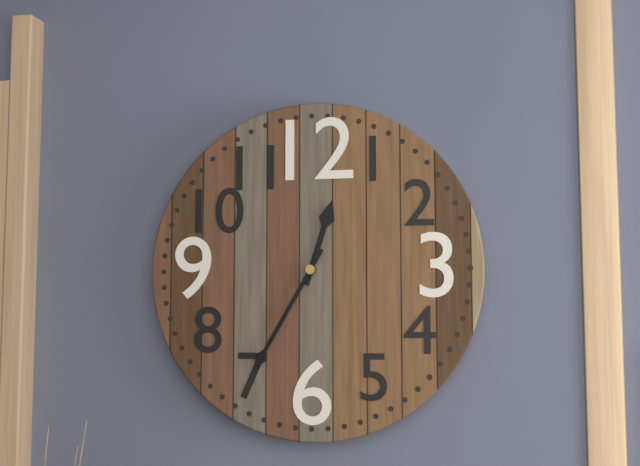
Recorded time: 12.35
